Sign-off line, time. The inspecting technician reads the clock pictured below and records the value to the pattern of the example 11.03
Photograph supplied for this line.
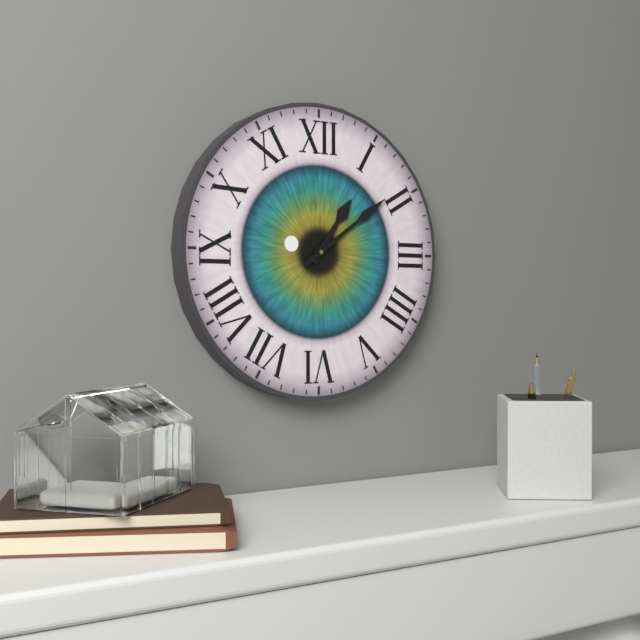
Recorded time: 1.09
